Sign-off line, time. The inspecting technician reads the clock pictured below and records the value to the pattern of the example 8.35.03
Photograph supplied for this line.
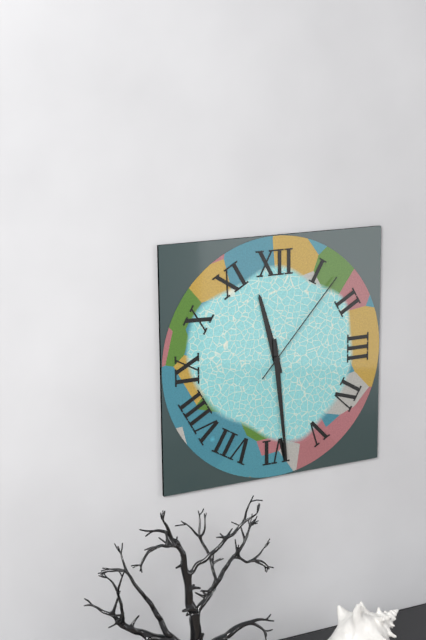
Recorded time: 11.29.07
